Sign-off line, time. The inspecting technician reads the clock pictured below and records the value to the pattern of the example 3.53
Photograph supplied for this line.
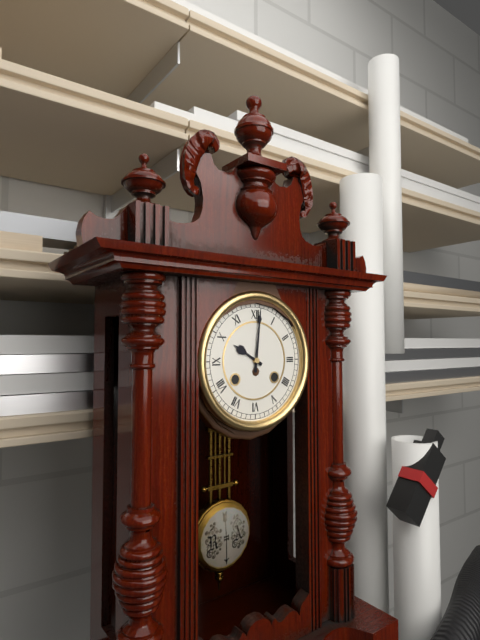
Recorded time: 10.01
